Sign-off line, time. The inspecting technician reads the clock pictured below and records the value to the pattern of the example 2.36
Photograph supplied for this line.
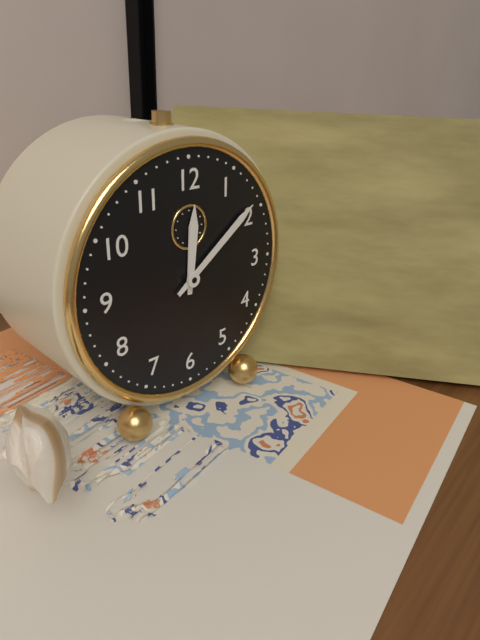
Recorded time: 12.09
